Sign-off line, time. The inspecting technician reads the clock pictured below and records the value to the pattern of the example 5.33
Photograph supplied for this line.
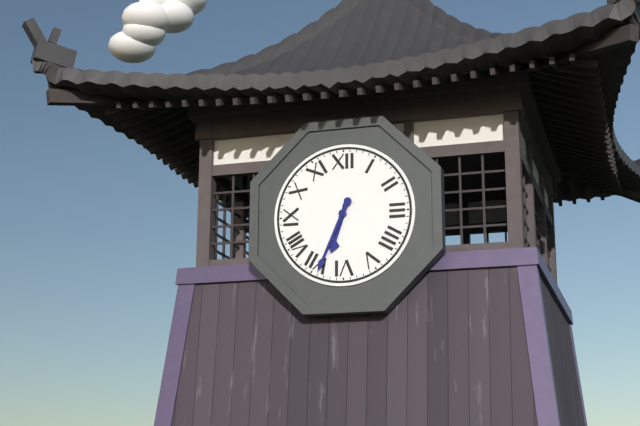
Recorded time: 6.34
